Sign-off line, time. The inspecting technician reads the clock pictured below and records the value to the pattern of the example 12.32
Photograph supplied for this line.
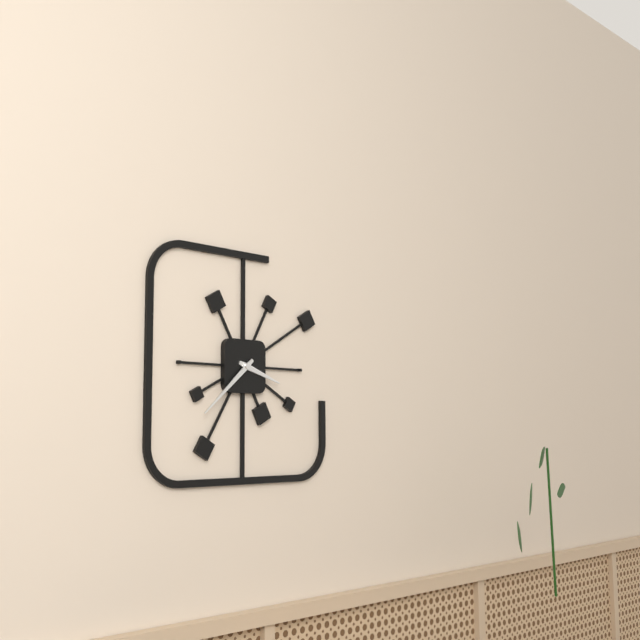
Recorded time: 3.38
